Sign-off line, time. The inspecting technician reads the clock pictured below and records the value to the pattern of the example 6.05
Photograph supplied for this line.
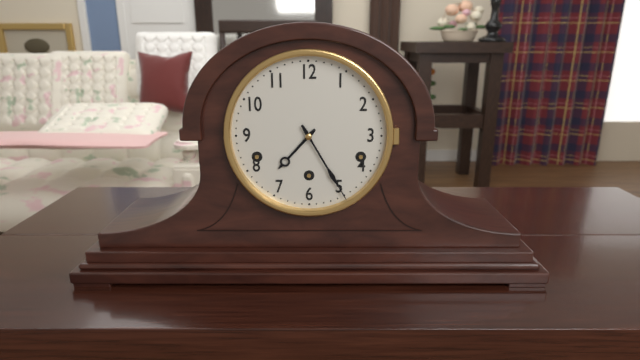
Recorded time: 7.25
